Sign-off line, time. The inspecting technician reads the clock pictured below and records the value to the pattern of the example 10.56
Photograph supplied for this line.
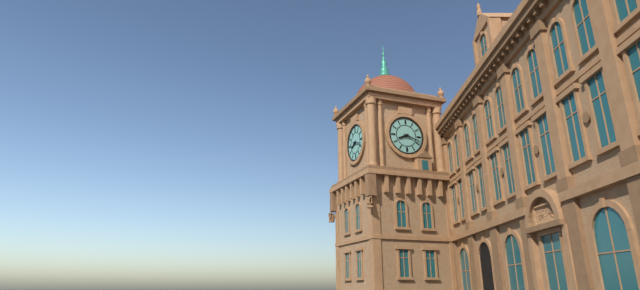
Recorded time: 8.18
